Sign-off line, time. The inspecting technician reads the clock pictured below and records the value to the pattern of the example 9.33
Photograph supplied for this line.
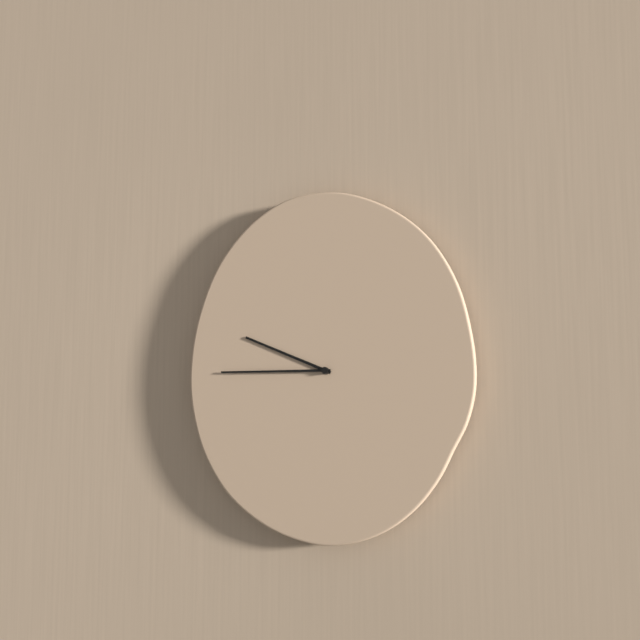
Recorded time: 9.45
